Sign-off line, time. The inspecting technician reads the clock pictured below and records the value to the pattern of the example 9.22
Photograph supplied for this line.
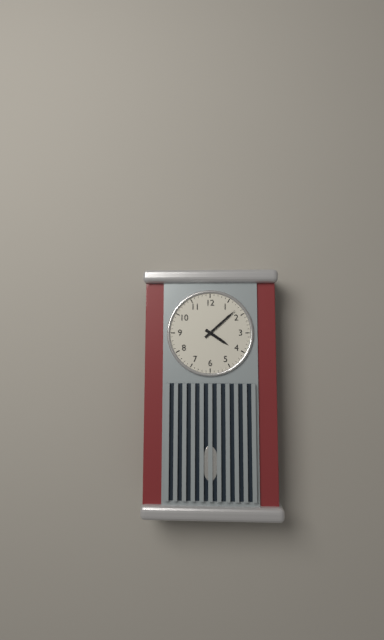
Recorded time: 4.08
